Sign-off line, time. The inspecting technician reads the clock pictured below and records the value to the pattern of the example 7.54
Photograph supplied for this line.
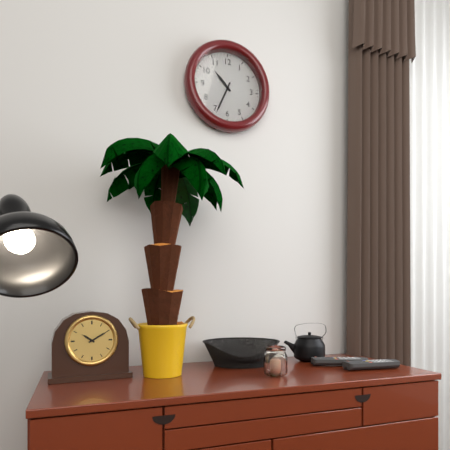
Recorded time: 10.34
